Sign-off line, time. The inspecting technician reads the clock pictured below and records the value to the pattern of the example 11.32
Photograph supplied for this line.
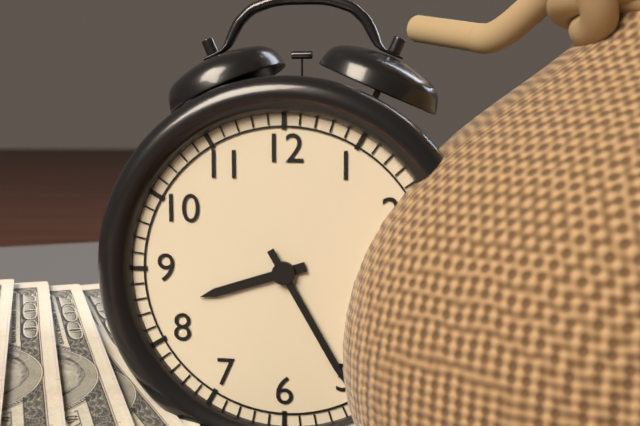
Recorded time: 8.25
